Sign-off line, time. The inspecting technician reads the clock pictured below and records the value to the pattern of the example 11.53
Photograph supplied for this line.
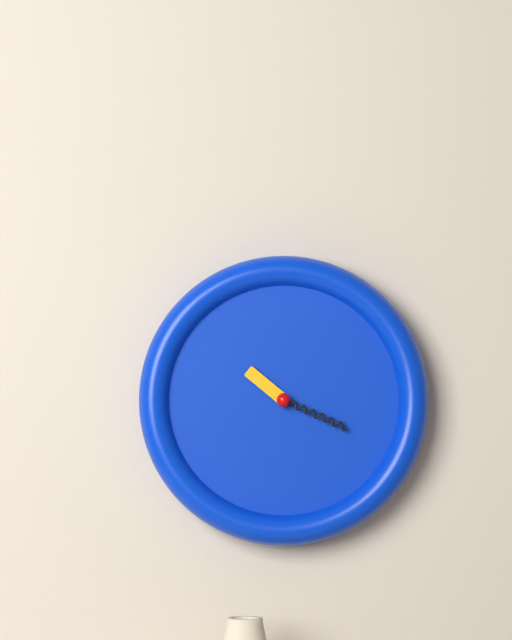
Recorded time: 10.19
